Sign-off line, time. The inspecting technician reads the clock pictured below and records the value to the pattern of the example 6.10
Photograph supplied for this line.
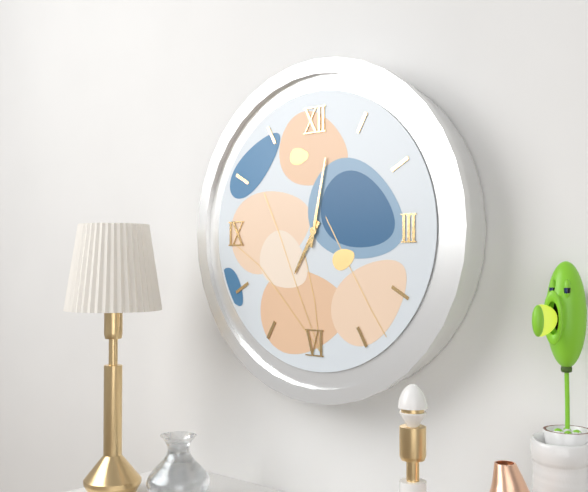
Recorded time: 7.02
